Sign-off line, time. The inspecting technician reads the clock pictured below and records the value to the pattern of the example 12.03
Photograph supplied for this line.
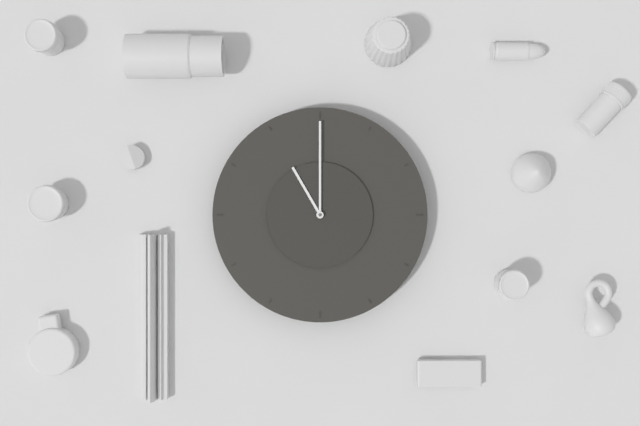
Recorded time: 11.00
